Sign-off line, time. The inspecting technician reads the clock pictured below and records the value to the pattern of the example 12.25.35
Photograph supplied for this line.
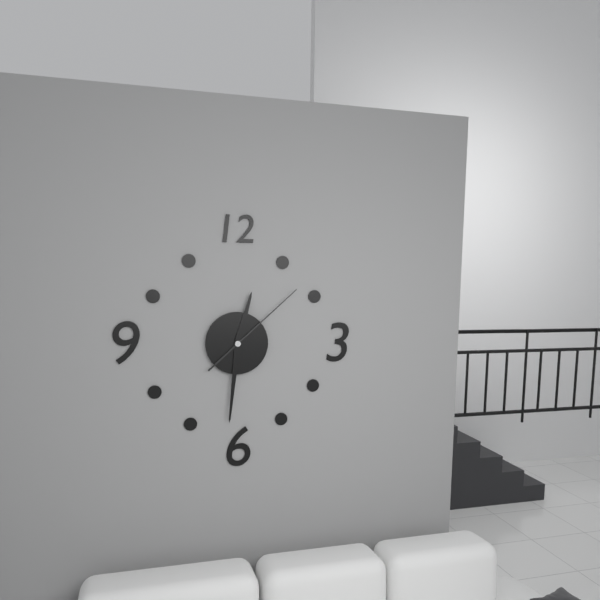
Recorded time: 12.31.08
